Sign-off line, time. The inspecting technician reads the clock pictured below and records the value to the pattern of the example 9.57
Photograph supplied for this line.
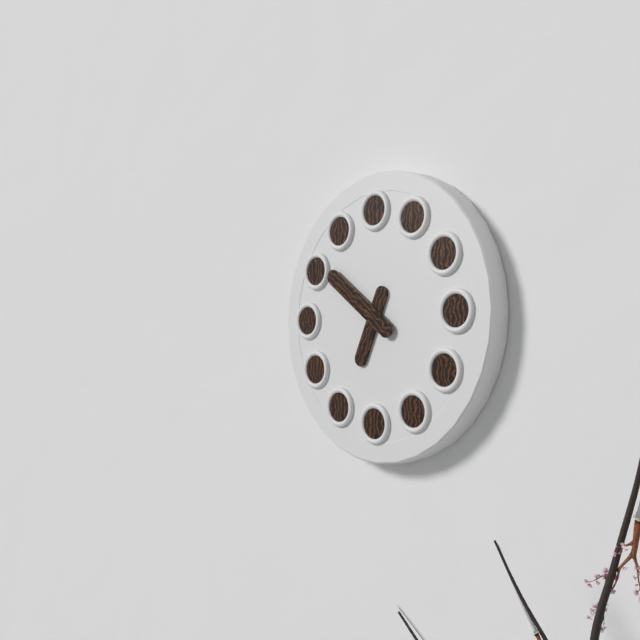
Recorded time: 6.51
